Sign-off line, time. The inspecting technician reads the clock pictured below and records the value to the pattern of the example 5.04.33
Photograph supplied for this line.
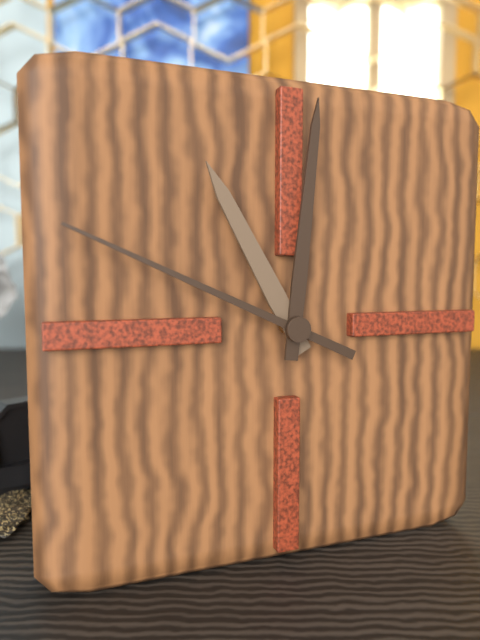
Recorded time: 11.01.49
